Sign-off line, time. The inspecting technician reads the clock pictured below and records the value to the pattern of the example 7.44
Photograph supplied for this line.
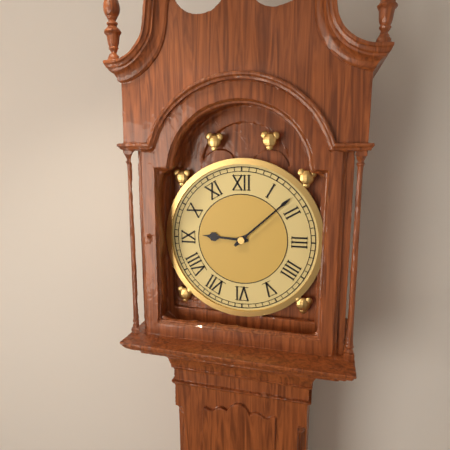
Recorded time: 9.08
